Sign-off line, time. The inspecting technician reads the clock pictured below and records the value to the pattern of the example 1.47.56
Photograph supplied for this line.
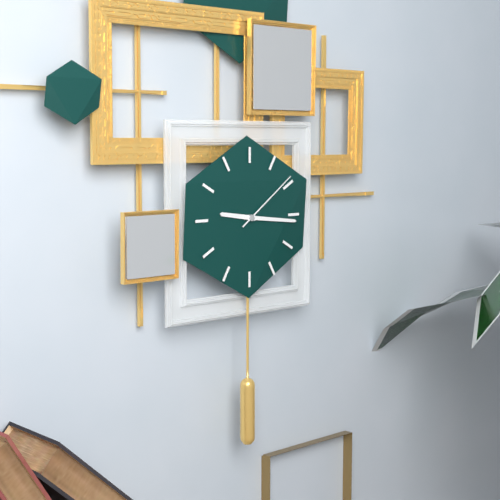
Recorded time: 9.16.09
